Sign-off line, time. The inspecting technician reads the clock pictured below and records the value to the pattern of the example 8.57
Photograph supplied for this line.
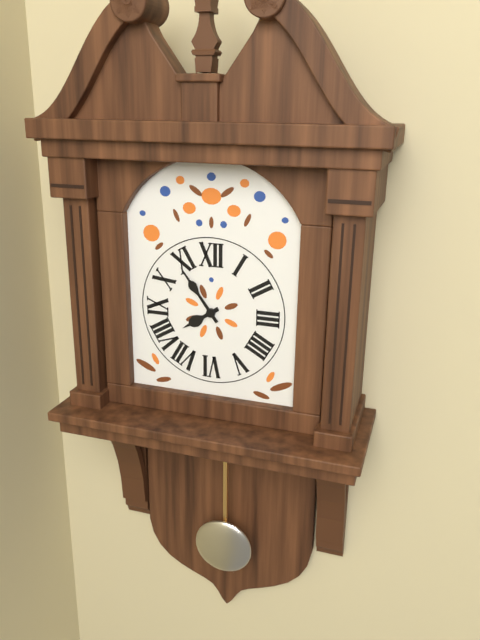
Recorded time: 7.54
